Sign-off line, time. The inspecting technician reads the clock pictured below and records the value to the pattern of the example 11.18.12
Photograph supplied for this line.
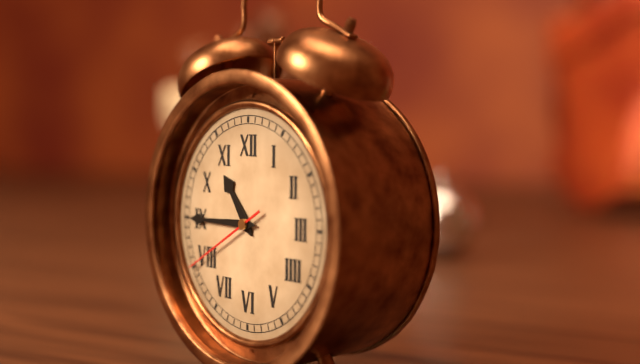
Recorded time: 10.45.40
